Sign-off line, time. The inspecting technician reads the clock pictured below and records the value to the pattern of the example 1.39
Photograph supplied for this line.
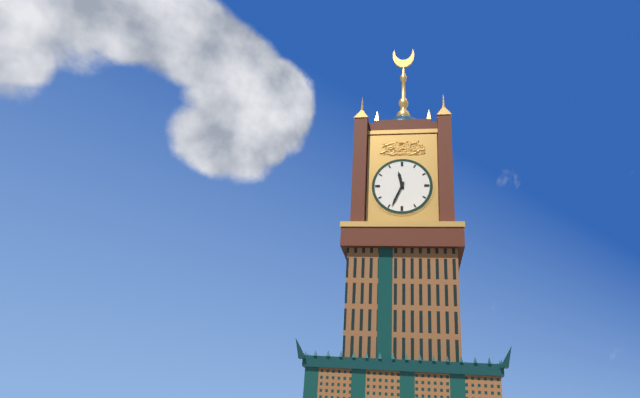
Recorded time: 11.34
